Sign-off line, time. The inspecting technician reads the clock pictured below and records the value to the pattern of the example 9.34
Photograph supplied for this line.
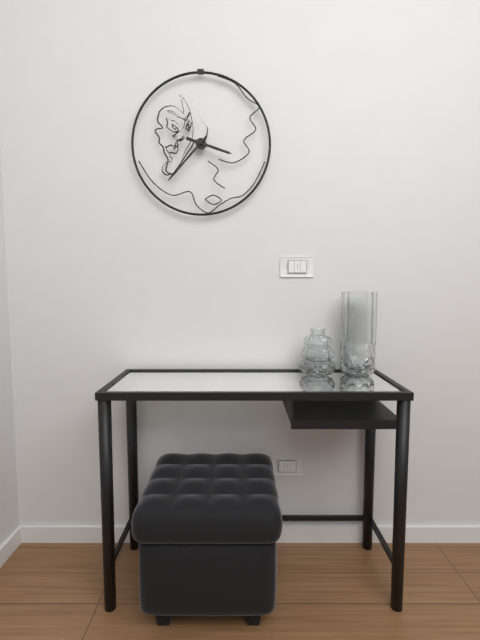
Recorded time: 3.37
